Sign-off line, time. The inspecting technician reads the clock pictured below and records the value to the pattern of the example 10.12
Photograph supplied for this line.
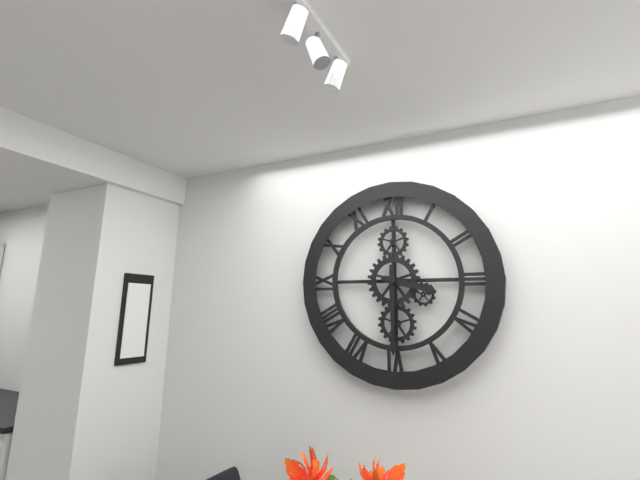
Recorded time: 3.30
